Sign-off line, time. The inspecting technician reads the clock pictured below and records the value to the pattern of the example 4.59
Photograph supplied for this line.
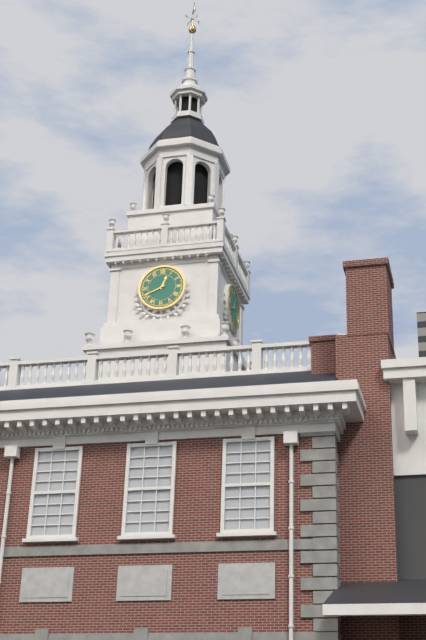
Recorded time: 12.41
